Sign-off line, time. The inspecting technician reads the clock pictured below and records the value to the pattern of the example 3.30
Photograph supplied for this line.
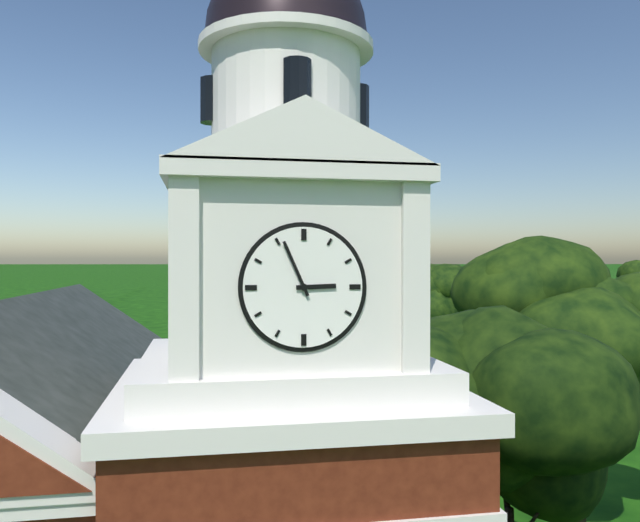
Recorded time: 2.56
